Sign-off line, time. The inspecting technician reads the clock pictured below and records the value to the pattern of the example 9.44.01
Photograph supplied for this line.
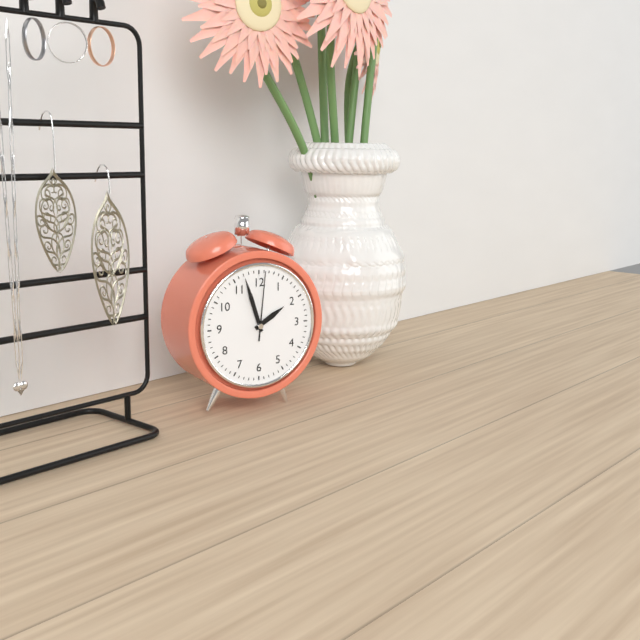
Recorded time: 1.57.01
